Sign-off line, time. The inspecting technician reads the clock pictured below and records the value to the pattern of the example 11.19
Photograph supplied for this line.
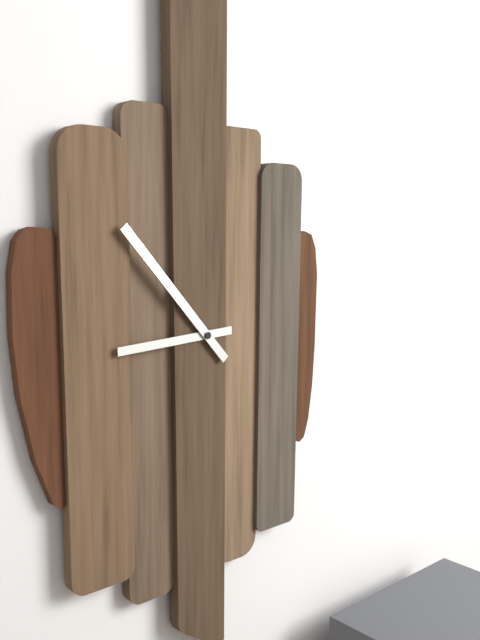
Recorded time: 8.53
